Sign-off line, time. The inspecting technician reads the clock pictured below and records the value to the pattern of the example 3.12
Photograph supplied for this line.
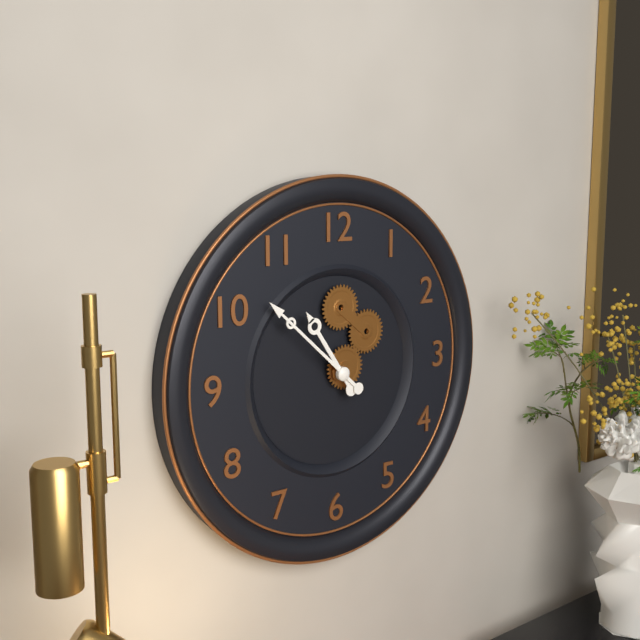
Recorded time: 10.52
